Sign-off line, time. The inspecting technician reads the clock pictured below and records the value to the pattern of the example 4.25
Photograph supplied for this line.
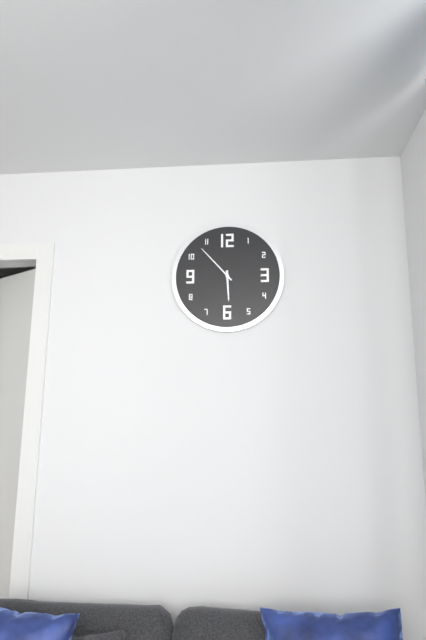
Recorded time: 5.53
